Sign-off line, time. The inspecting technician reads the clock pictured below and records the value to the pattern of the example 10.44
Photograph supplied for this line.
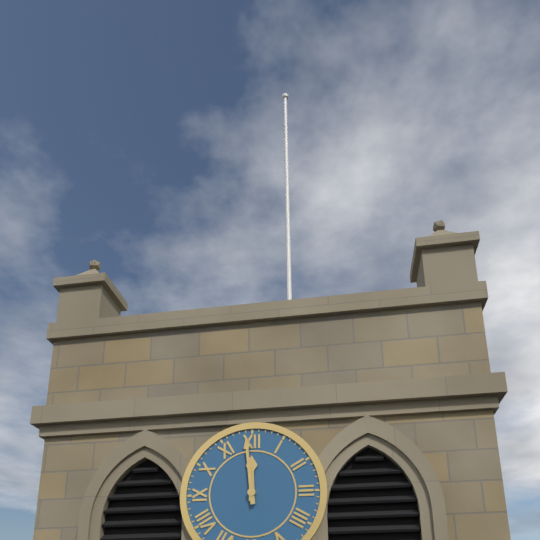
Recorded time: 11.59
